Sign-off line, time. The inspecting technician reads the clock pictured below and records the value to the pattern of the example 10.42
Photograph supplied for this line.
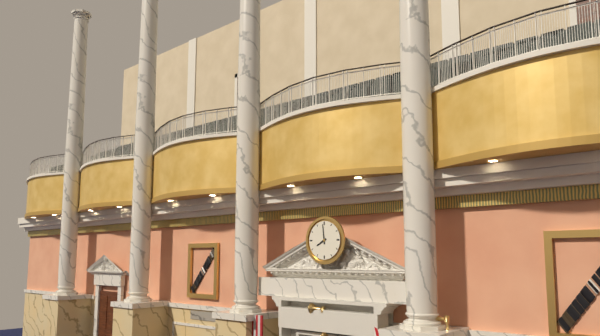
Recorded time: 7.59
